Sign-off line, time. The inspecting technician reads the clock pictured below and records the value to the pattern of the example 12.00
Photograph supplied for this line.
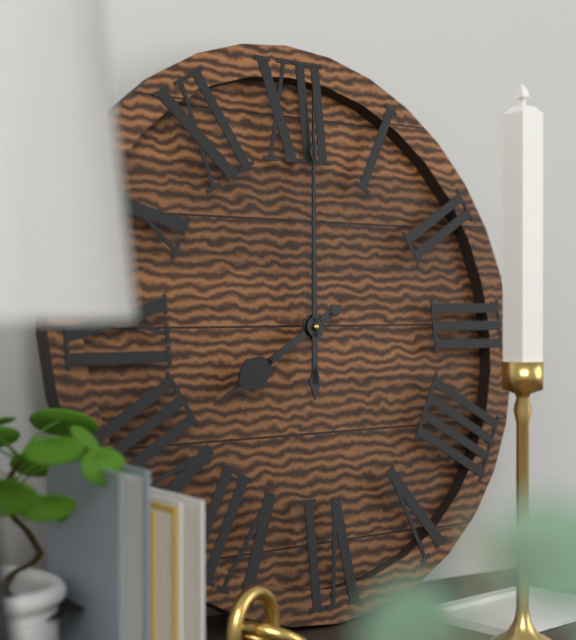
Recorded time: 8.01
